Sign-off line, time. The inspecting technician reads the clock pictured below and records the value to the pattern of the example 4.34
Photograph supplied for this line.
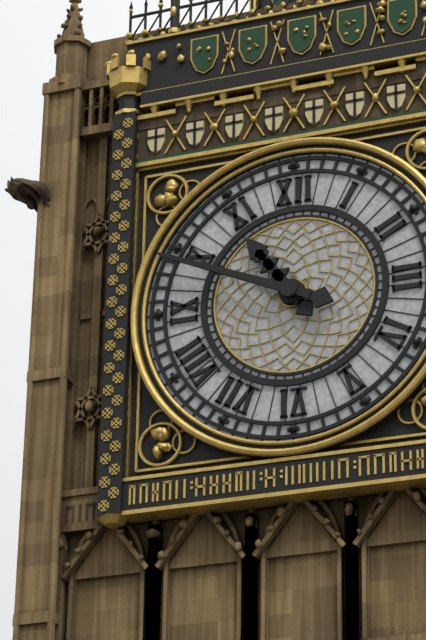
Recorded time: 10.49
